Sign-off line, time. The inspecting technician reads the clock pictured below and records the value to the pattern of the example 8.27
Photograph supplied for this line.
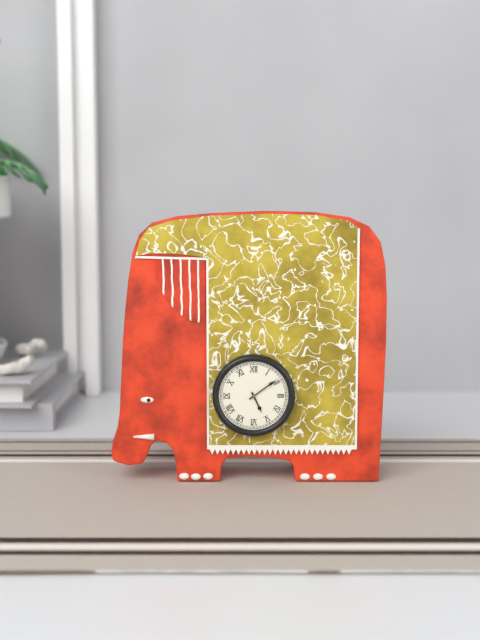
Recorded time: 5.09
